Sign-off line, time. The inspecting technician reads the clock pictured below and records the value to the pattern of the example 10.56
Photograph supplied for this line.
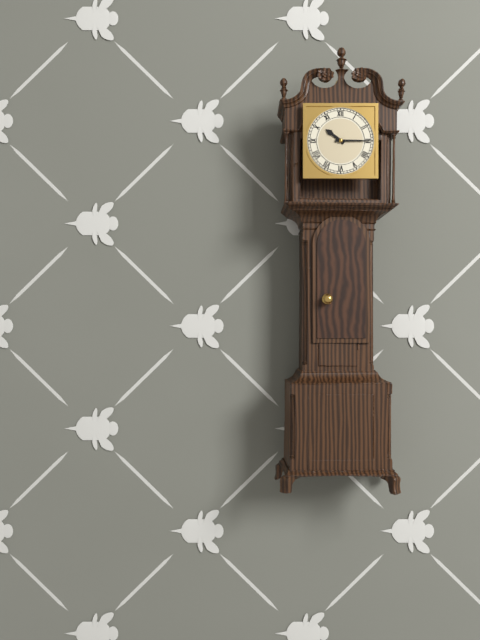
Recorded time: 10.15
